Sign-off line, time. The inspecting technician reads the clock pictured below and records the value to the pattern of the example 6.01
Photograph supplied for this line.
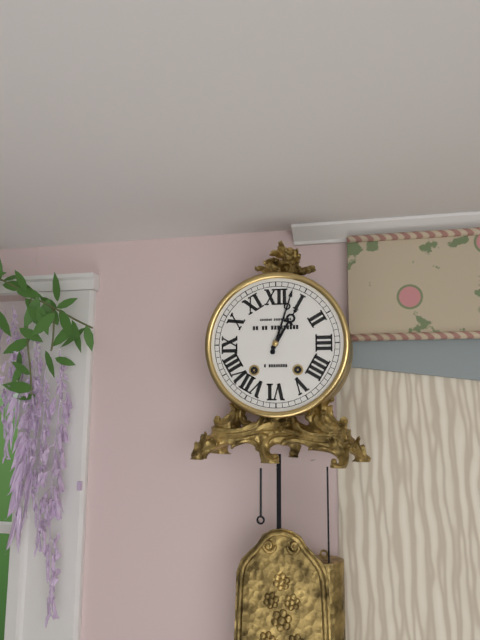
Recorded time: 1.03
